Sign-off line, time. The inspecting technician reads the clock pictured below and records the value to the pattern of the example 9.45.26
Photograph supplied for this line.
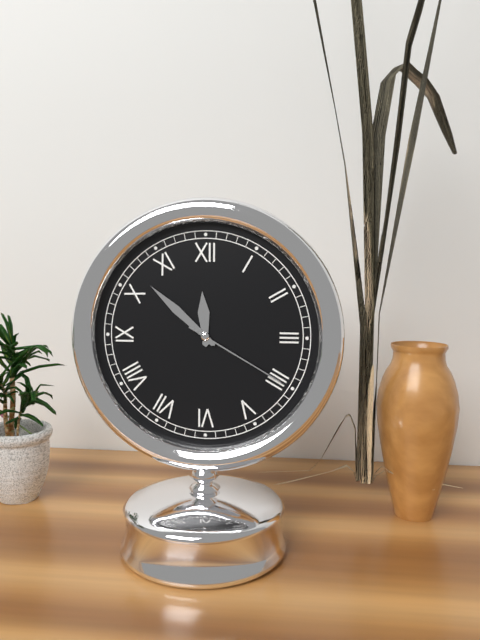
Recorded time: 11.52.20
